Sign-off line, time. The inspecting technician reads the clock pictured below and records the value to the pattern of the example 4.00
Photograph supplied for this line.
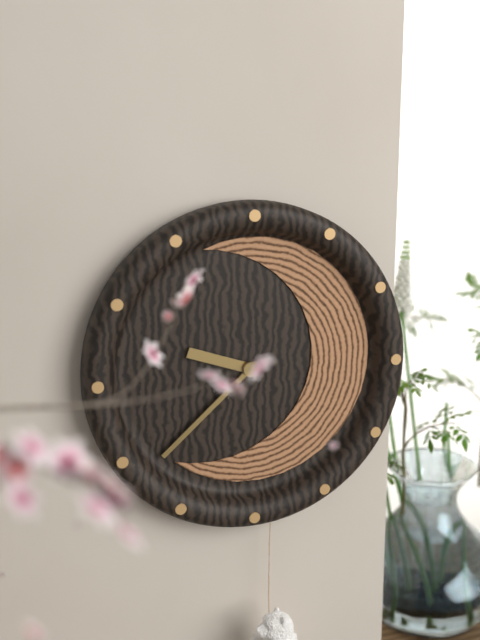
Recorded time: 9.38
